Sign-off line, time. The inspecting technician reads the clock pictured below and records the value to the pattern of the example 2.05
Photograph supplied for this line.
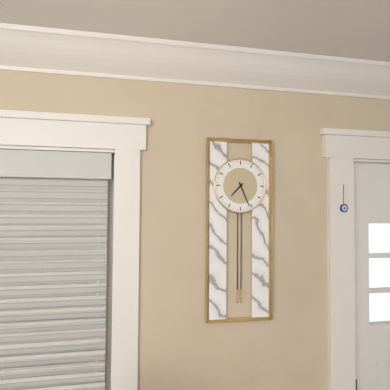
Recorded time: 7.26
